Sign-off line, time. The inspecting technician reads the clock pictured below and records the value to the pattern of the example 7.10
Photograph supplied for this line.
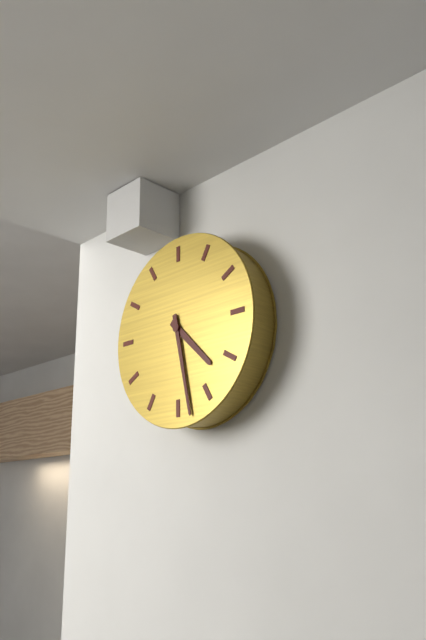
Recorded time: 4.28
